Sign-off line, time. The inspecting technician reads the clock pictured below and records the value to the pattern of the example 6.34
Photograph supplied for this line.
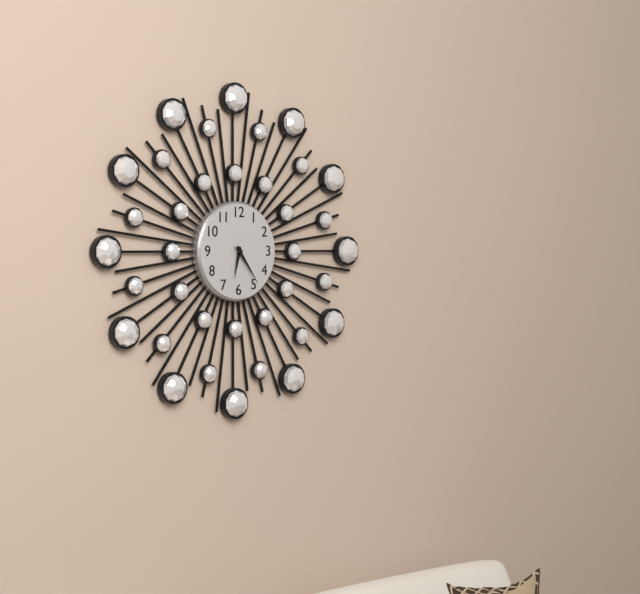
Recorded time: 6.24
